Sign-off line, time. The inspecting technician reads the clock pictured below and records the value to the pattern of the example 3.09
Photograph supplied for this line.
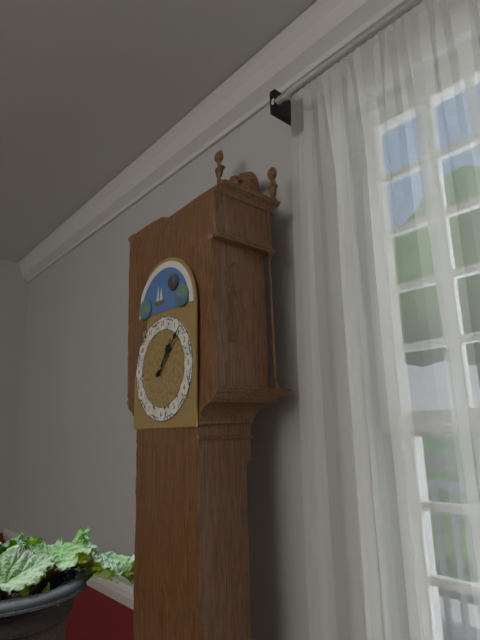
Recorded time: 1.07
